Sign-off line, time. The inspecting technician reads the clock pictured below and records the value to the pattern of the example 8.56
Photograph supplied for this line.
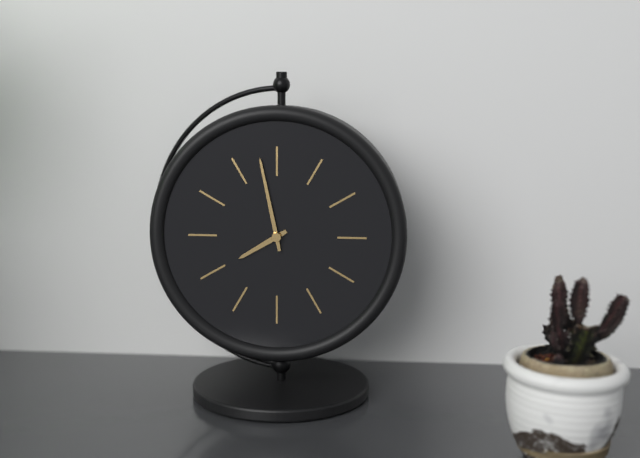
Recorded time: 7.58
